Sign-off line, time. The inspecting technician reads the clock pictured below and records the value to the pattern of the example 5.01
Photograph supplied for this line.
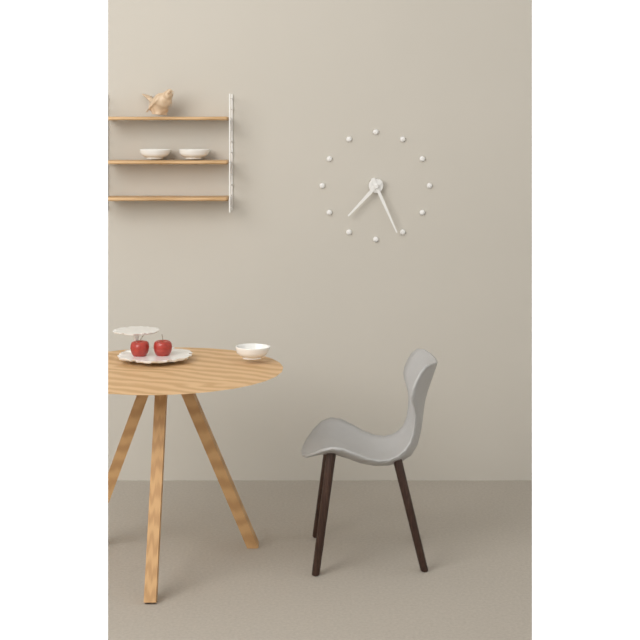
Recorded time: 7.26
